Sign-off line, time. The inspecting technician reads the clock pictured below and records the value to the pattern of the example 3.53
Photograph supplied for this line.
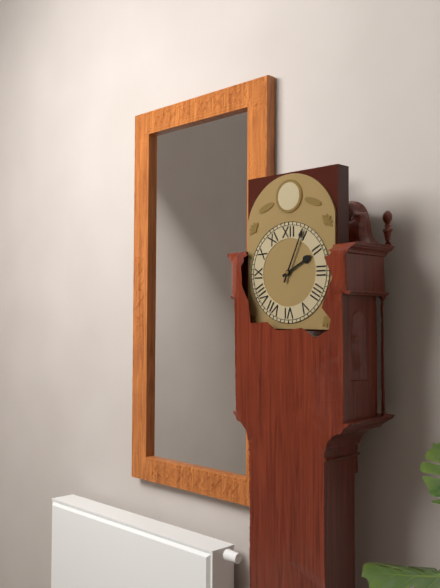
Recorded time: 2.04
